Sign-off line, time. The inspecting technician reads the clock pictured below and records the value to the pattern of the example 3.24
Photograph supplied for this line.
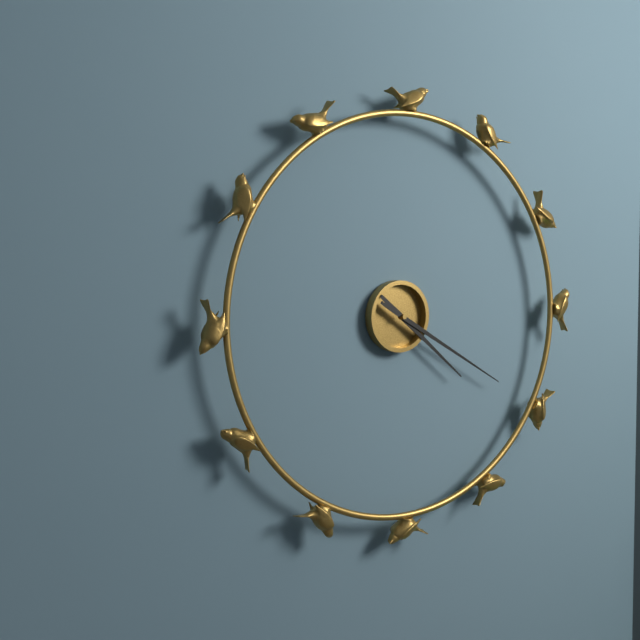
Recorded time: 4.20
